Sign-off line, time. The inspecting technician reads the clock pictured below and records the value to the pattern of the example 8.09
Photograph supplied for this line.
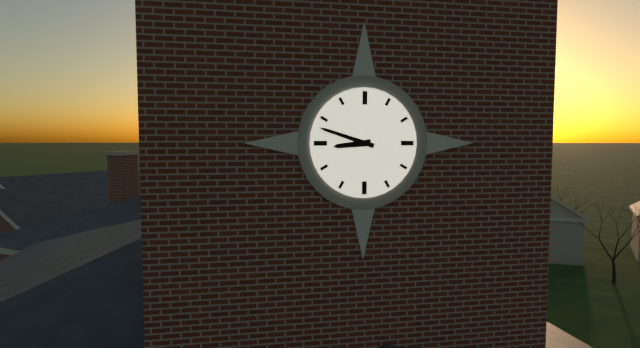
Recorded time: 8.48
